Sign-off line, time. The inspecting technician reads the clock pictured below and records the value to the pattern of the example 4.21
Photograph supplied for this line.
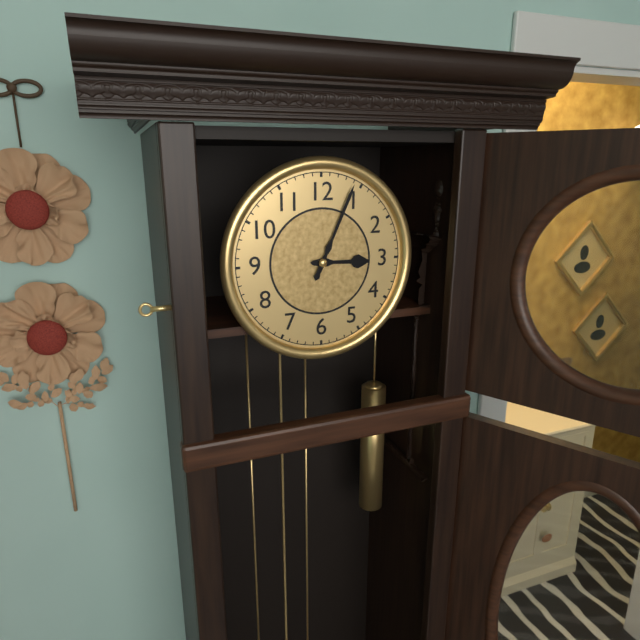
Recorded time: 3.04
